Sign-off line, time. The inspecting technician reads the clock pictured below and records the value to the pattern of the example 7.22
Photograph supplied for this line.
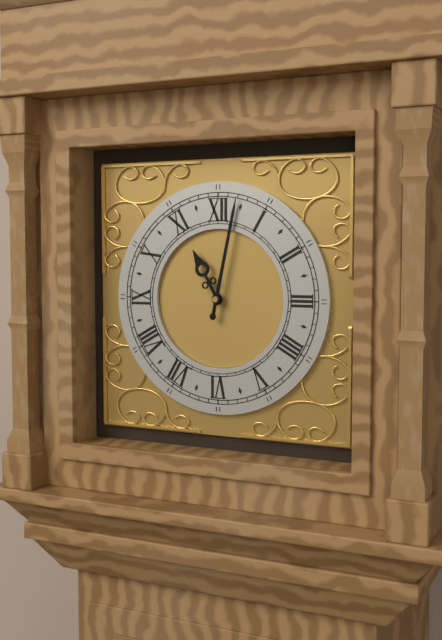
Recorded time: 11.02
